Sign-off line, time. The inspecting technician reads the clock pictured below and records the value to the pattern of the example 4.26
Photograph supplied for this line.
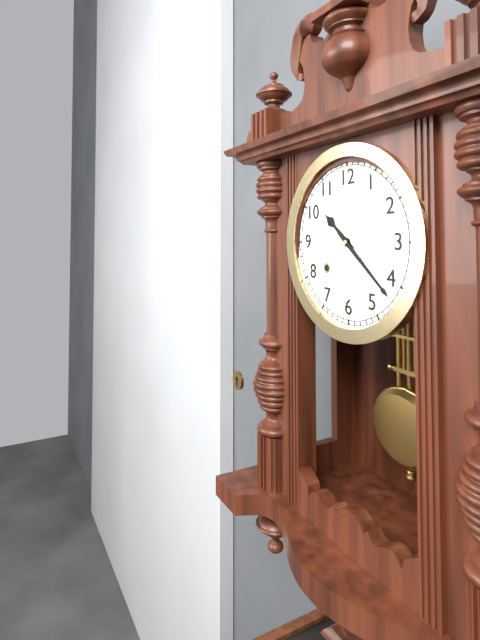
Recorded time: 10.22
